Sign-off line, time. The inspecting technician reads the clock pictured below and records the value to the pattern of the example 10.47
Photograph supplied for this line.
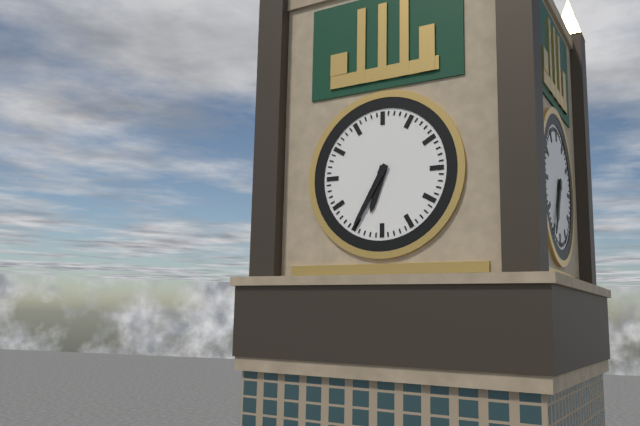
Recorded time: 6.35
